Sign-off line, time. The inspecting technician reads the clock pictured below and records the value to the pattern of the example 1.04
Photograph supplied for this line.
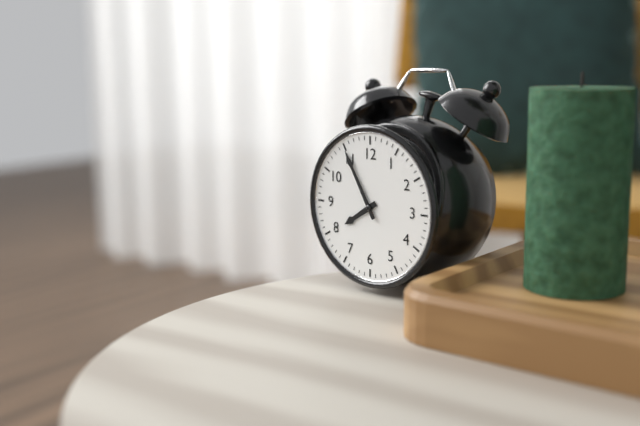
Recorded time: 7.55
